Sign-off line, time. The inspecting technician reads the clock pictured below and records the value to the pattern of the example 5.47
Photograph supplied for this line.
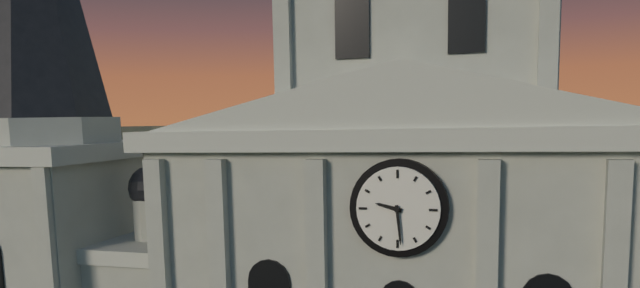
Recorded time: 9.29
